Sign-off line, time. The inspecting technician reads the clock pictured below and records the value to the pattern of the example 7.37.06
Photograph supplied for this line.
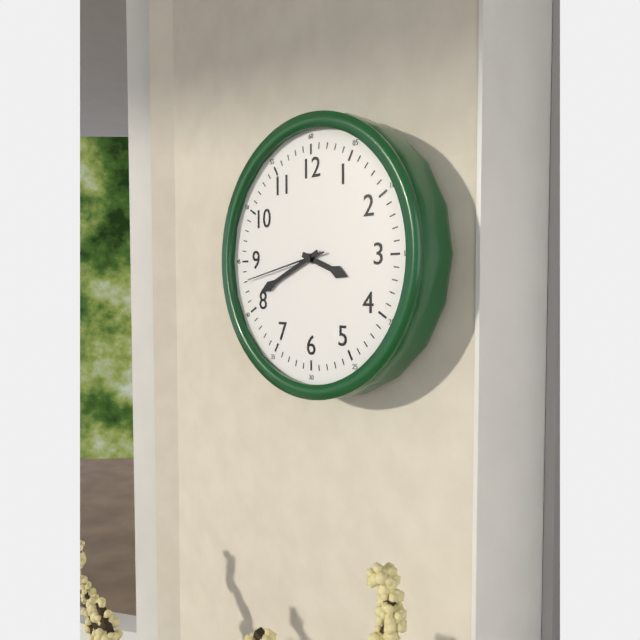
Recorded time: 3.41.43
